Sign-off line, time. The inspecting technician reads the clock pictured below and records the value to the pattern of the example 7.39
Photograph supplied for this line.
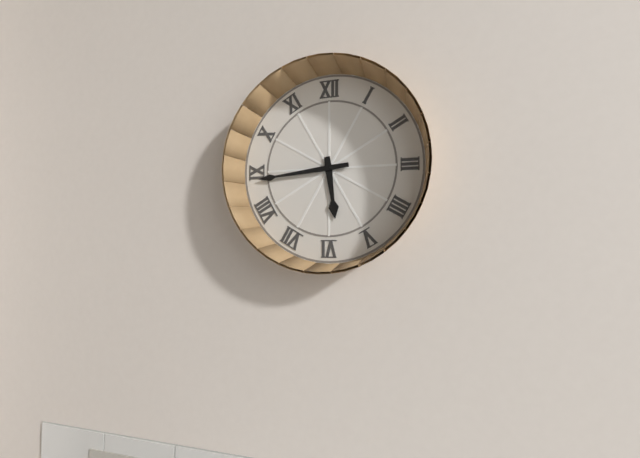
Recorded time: 5.44
